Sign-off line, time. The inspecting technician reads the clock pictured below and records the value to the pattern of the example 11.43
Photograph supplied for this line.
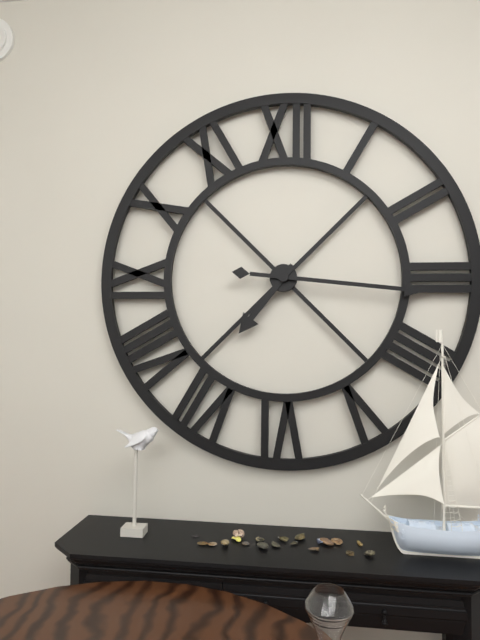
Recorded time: 7.16
